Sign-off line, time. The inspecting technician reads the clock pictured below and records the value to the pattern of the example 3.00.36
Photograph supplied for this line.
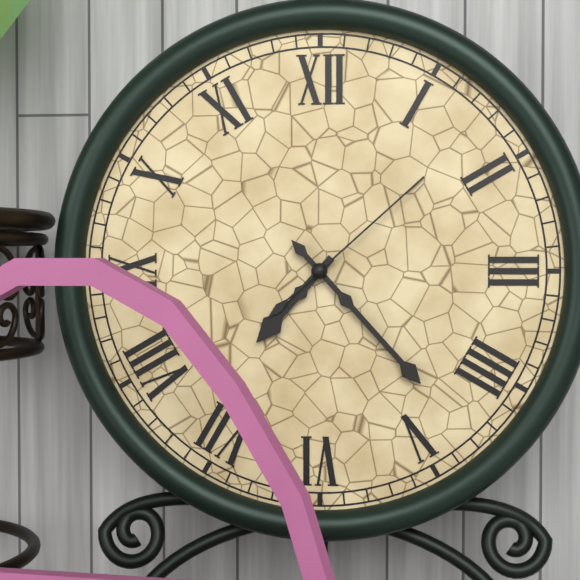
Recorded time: 7.23.08
